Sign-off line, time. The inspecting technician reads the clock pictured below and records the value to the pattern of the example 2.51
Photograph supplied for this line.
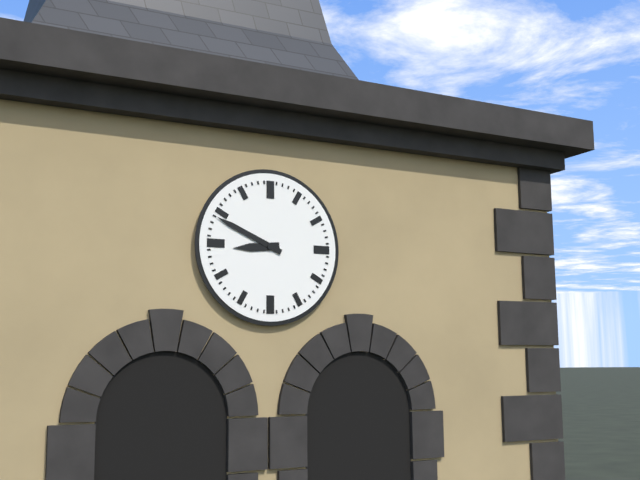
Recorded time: 8.49
